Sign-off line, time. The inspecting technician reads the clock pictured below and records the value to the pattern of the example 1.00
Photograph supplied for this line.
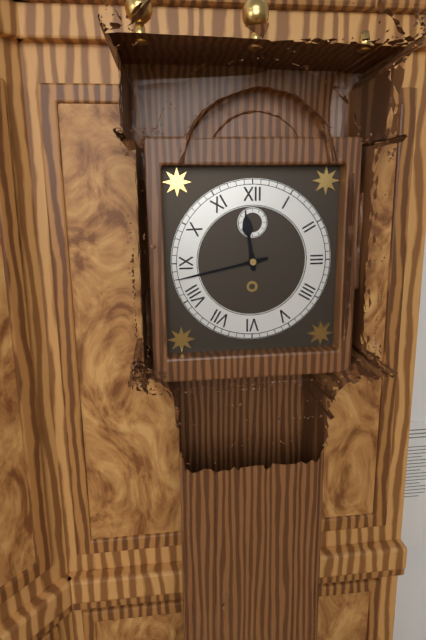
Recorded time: 11.43
